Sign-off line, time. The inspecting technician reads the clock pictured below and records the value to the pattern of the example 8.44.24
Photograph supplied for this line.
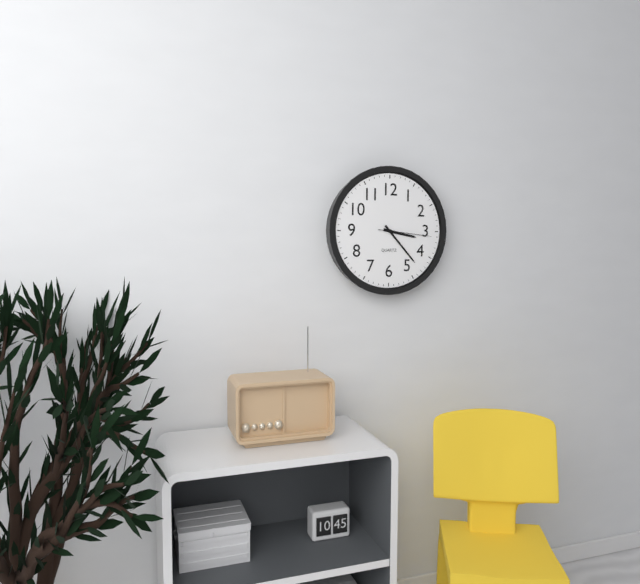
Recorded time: 3.23.16
